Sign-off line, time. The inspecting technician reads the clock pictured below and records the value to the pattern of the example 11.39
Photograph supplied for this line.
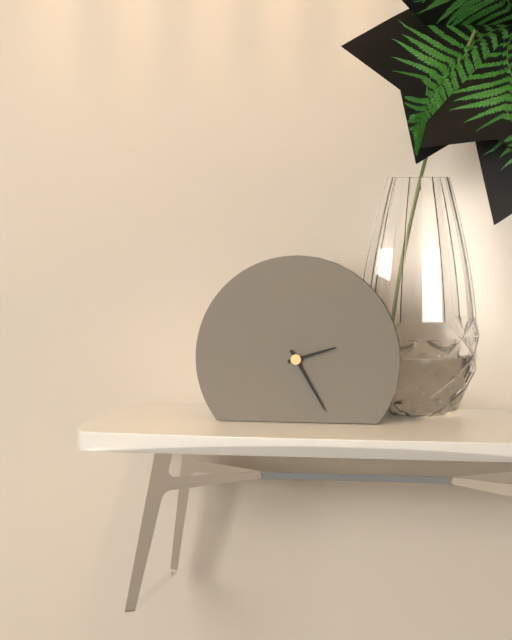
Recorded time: 2.25
